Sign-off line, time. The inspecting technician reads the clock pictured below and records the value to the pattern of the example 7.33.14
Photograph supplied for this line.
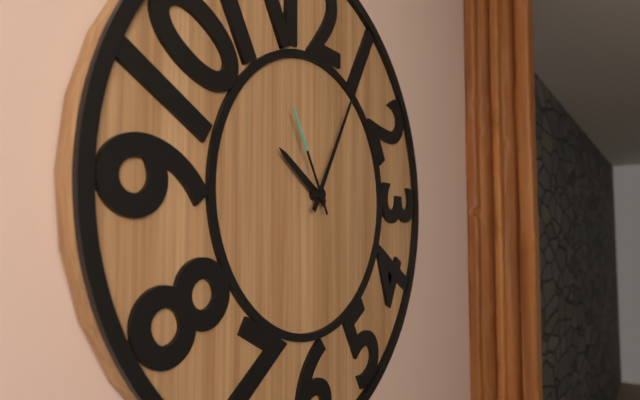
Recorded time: 10.05.55
